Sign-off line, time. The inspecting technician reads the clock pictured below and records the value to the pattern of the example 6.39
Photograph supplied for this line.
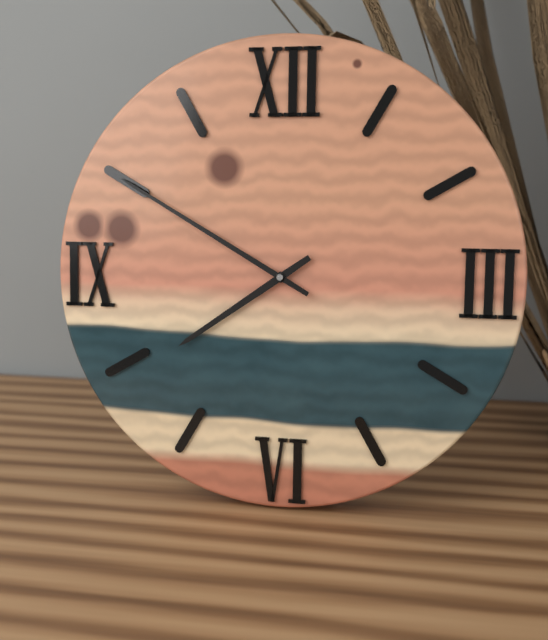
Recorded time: 7.50
